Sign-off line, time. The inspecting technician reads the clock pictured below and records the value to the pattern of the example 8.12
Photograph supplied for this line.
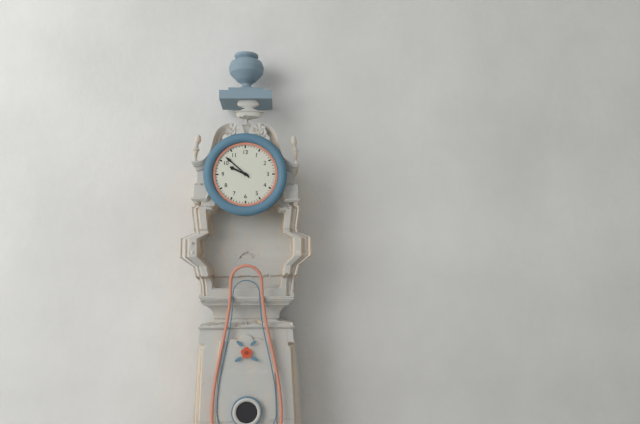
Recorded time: 9.52
